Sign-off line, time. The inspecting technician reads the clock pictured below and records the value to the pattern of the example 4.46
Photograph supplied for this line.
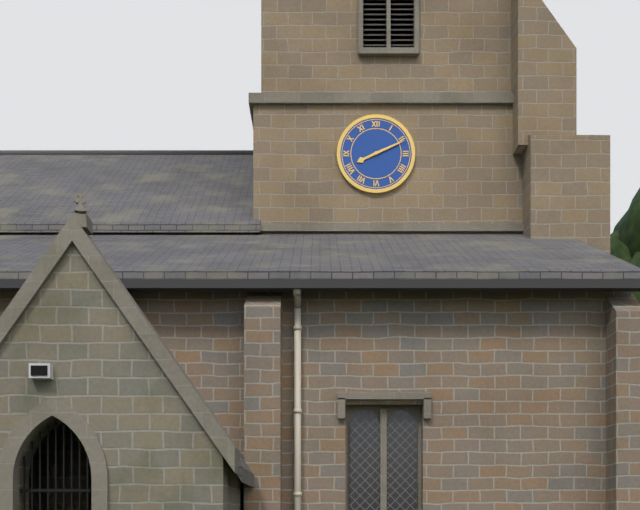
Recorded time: 8.11
